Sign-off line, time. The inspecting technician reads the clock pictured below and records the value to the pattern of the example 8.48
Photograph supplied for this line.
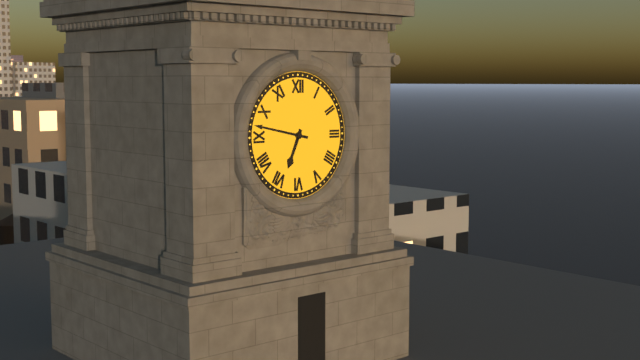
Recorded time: 6.47
